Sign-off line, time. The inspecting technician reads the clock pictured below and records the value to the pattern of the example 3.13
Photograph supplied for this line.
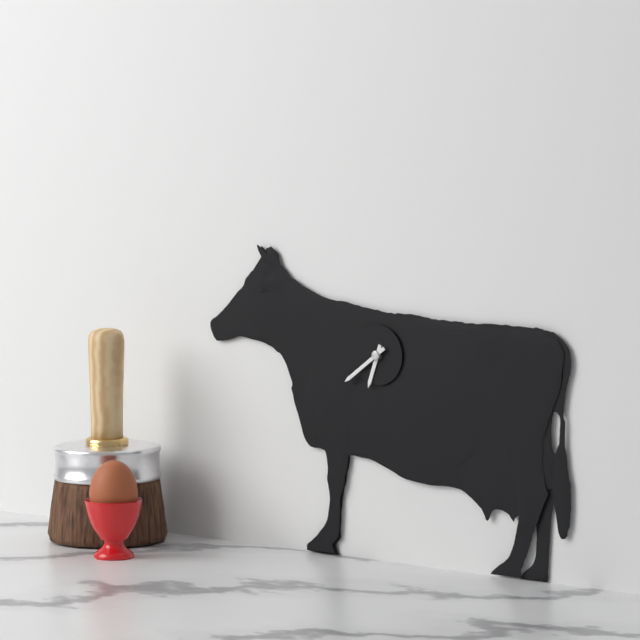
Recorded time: 6.39
